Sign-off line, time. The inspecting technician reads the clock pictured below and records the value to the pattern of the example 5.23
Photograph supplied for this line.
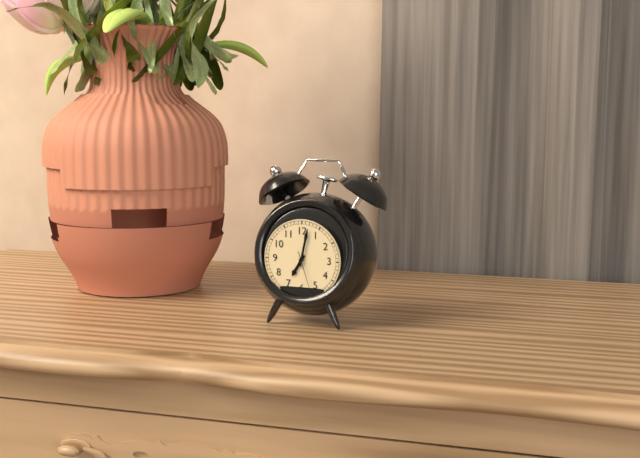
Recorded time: 7.02
